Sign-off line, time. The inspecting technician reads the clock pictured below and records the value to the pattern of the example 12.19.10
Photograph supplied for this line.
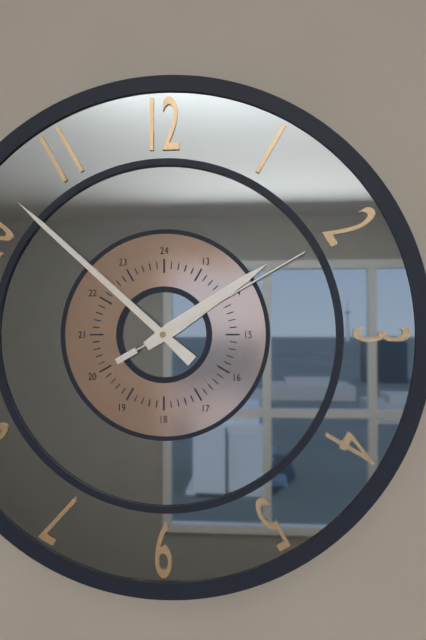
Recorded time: 1.52.10
